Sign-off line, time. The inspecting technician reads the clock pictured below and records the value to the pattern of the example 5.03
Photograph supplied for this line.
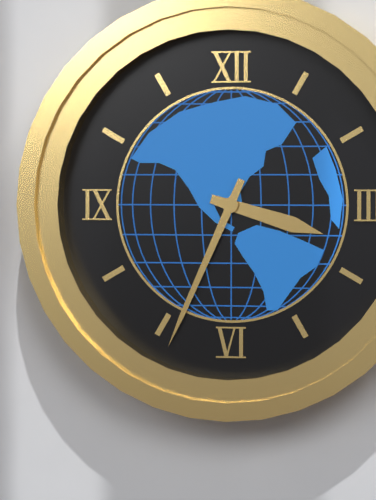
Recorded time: 3.34
